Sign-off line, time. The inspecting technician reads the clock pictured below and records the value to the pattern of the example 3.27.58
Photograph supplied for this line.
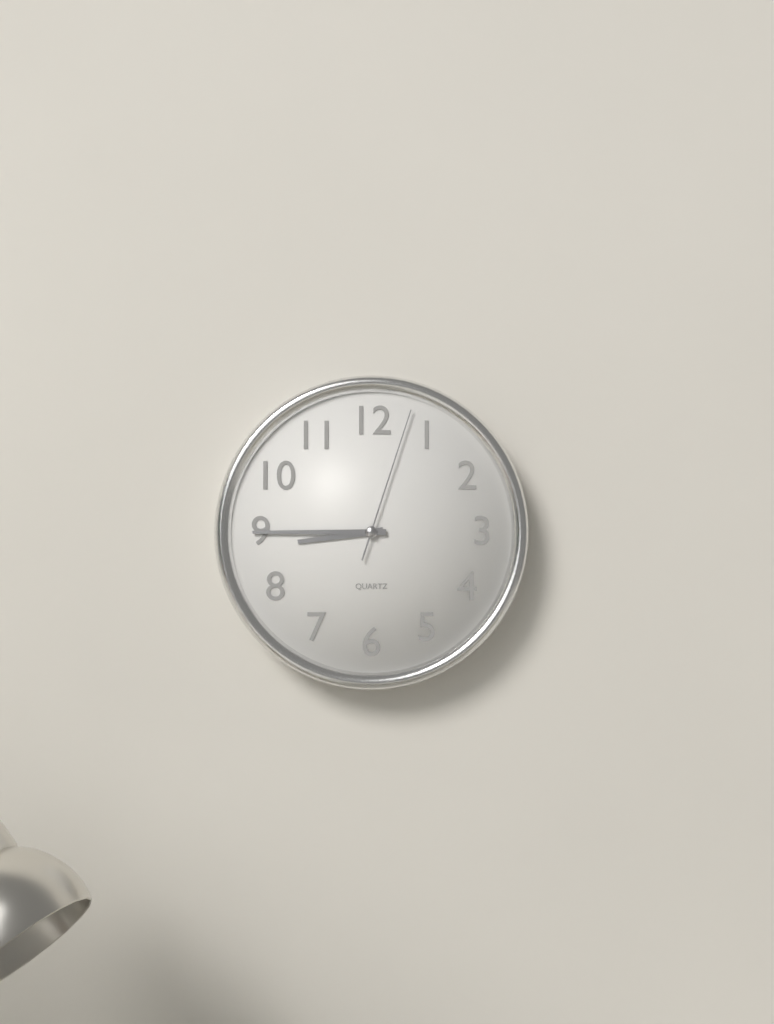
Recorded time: 8.45.03
